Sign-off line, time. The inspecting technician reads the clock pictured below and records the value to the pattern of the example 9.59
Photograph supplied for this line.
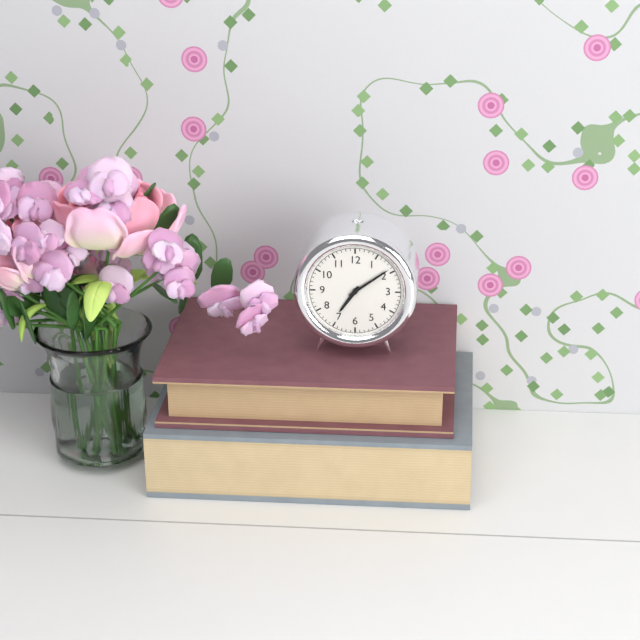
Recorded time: 7.09
